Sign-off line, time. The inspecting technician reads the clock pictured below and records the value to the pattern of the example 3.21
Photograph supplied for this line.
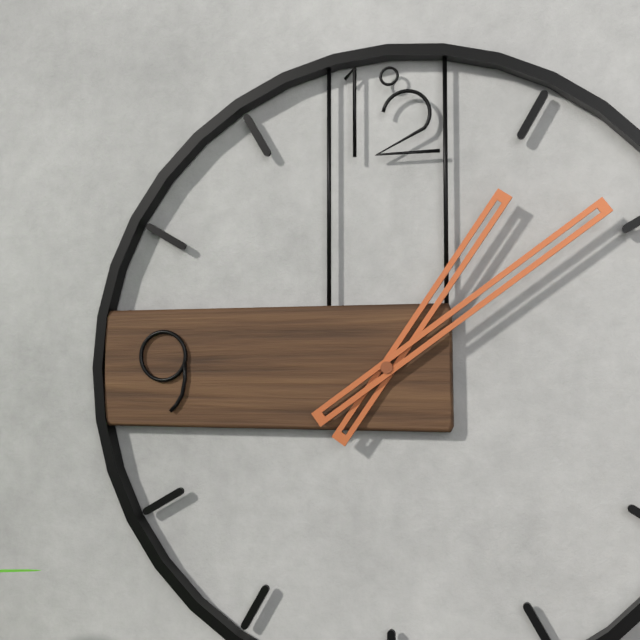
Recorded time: 1.09
